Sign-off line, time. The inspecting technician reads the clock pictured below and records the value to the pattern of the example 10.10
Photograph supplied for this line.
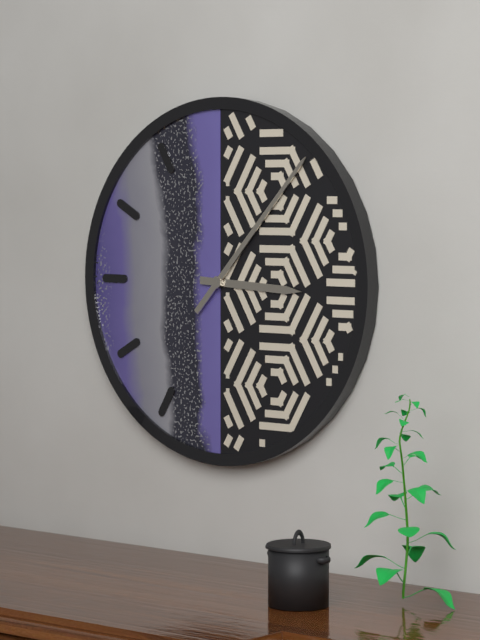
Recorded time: 3.07
